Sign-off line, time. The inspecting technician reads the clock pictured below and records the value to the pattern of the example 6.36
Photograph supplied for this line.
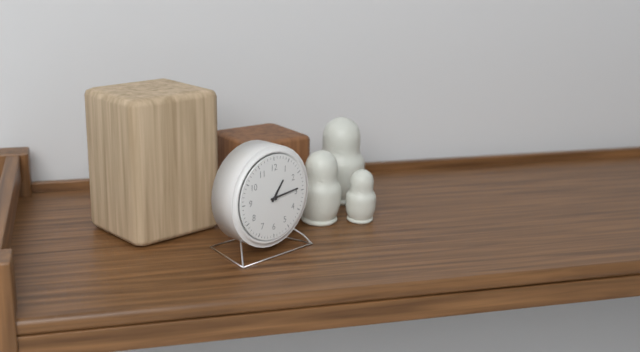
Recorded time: 1.14
